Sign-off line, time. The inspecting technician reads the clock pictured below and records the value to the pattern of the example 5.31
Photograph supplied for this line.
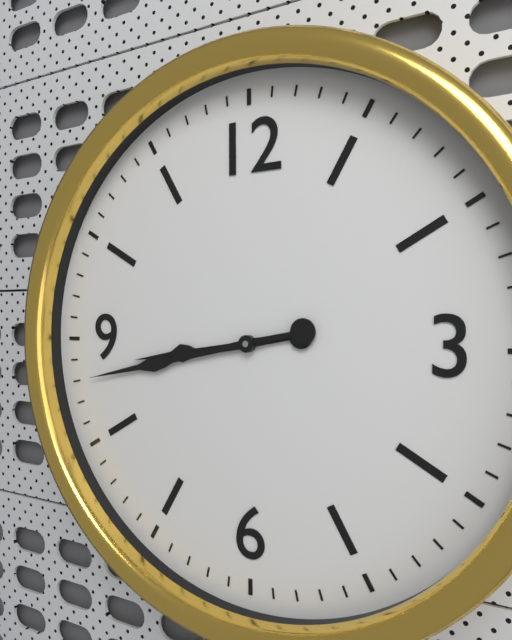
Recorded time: 8.43
